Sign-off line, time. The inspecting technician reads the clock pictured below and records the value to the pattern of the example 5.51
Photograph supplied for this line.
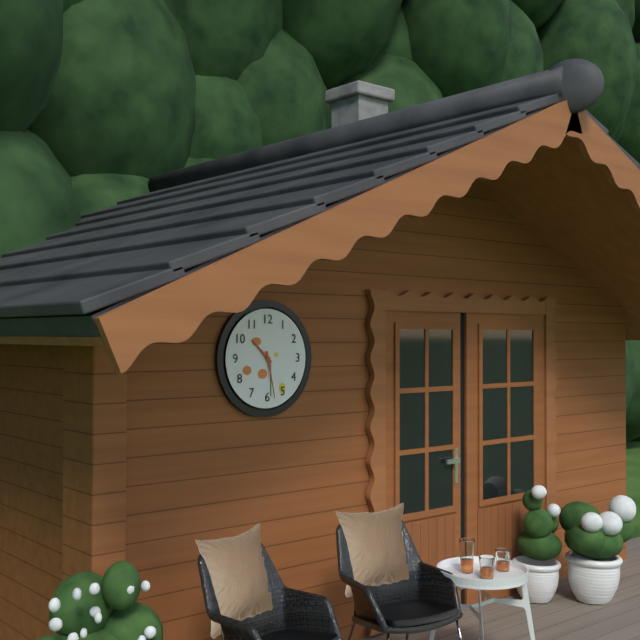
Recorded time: 10.28
